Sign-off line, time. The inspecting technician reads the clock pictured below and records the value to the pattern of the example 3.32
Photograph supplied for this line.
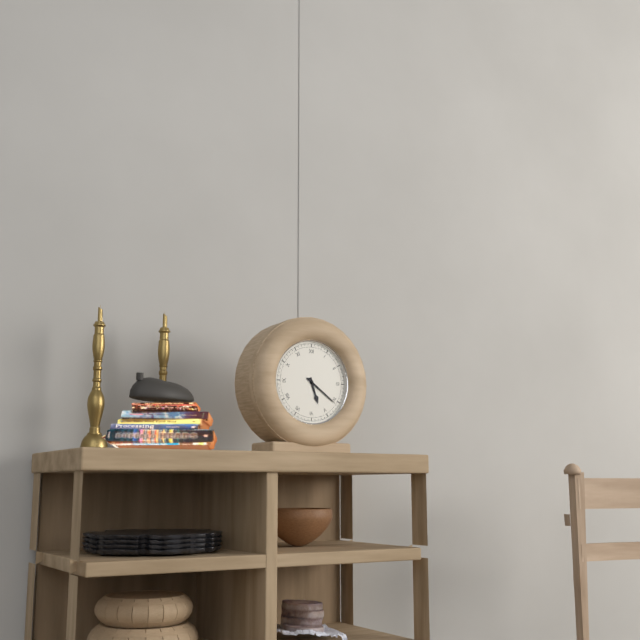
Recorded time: 5.21
